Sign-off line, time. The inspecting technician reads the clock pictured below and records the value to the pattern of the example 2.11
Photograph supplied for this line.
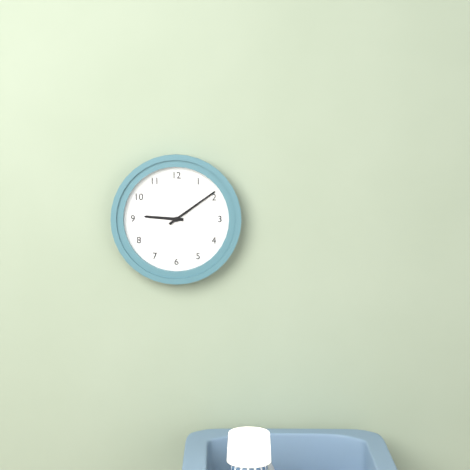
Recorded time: 9.09
